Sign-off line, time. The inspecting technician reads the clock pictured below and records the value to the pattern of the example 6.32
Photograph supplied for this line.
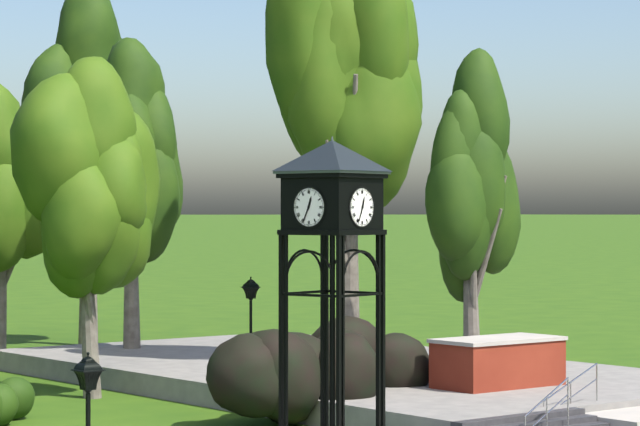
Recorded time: 12.34
